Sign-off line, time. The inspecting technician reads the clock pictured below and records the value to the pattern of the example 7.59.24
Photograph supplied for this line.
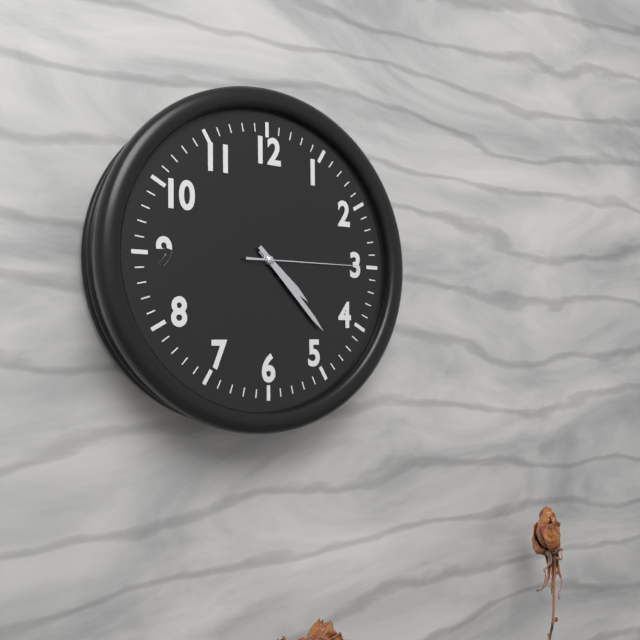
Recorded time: 4.23.15
